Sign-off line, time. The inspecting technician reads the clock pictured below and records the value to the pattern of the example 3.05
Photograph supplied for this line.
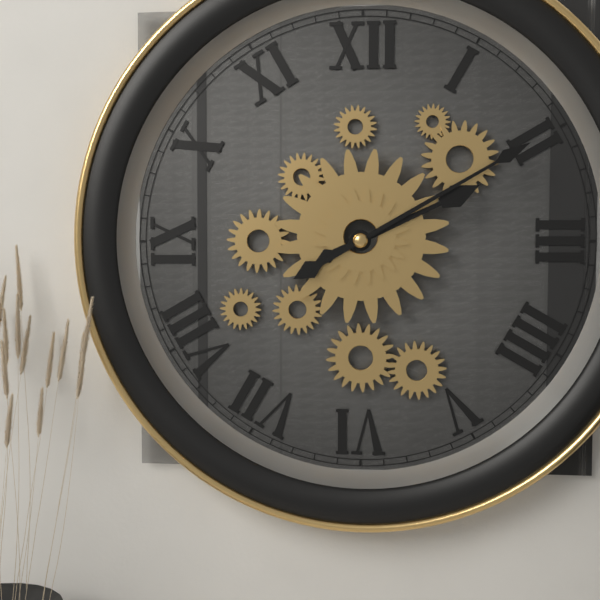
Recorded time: 2.10
